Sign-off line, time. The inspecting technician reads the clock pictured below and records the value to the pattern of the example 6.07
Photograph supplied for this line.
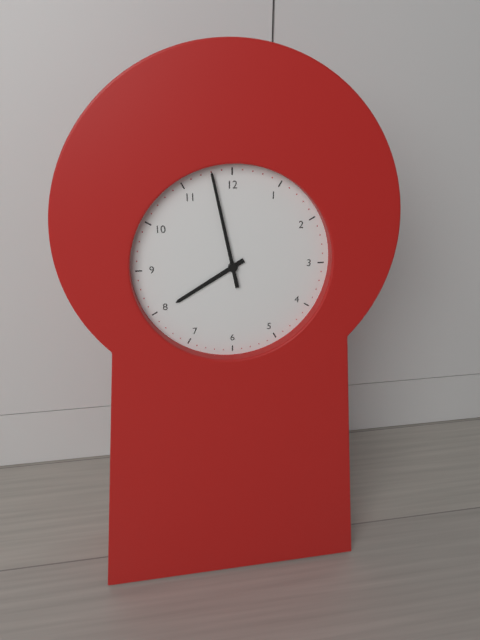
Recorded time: 7.58
